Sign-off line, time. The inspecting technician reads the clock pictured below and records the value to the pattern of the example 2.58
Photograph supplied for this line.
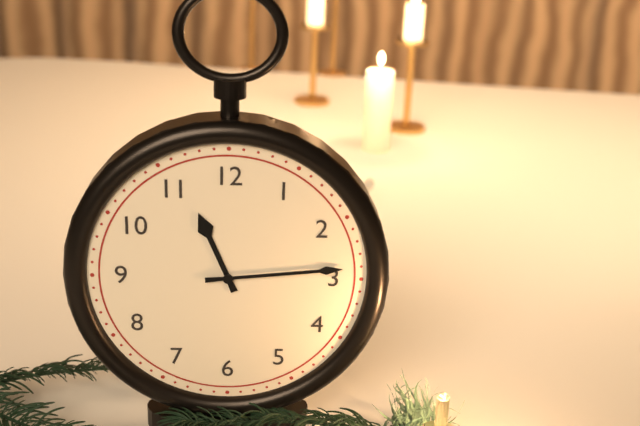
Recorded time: 11.14
